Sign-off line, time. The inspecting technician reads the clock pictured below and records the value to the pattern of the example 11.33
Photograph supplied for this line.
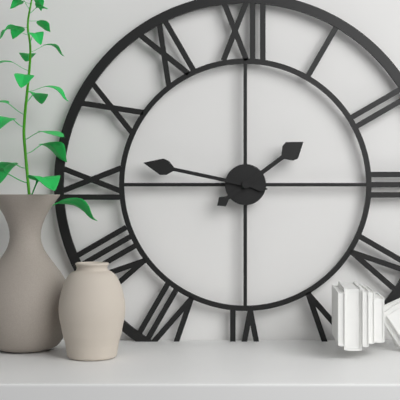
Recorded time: 1.47
